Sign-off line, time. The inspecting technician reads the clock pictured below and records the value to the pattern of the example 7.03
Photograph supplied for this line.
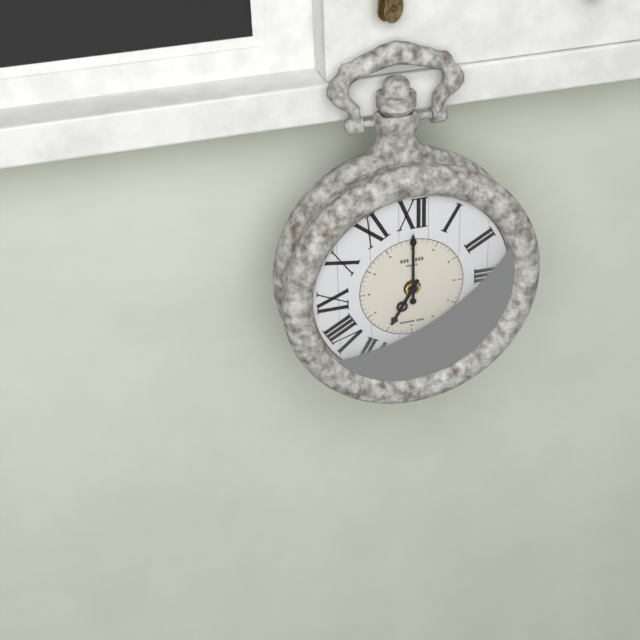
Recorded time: 7.00
